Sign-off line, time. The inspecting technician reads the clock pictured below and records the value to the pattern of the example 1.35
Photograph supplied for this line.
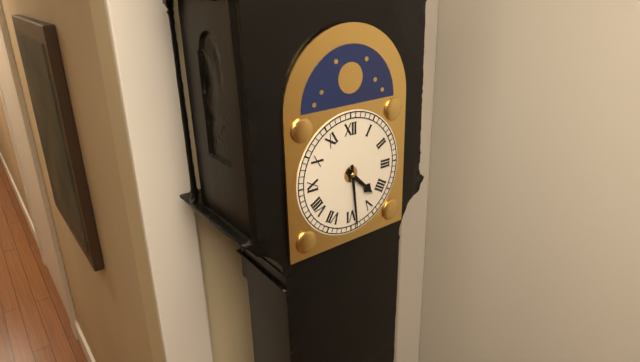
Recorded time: 4.29
